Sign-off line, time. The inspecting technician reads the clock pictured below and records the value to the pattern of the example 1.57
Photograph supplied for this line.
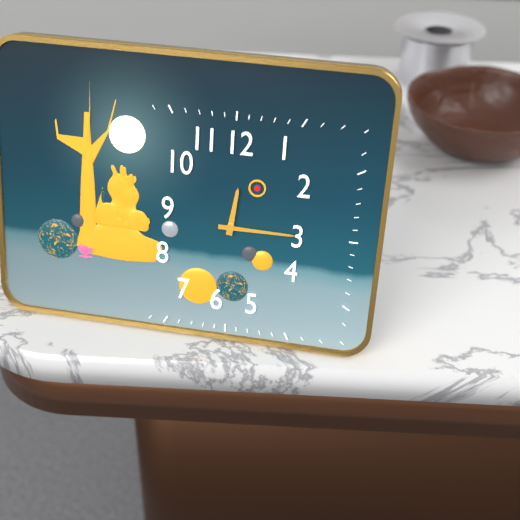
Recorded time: 12.15
